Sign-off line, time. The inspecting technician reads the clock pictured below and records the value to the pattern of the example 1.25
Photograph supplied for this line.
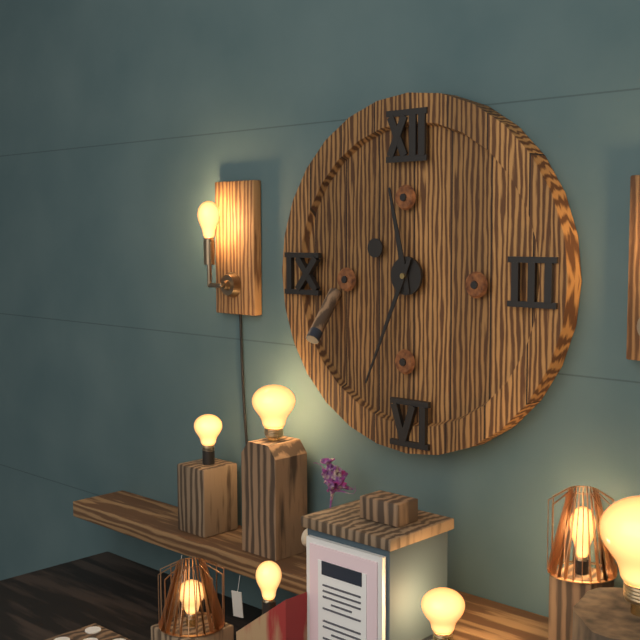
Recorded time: 11.34
